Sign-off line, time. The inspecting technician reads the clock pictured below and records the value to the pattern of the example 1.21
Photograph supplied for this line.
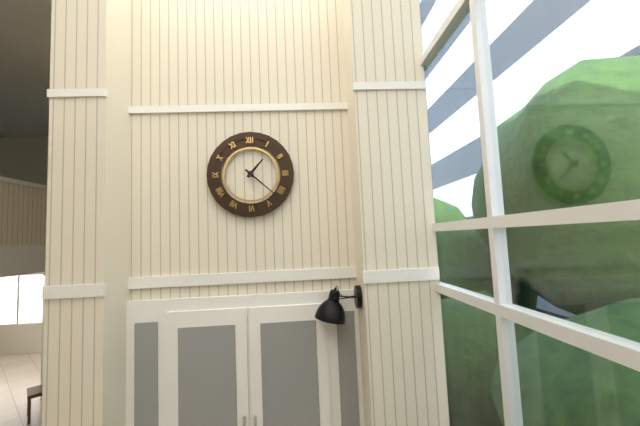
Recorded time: 1.22
